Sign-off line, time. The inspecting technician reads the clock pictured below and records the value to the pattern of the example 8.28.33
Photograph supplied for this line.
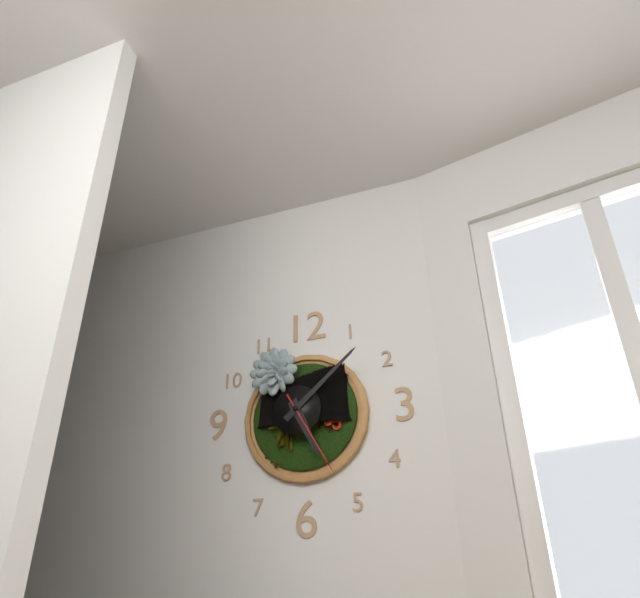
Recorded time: 5.08.25
